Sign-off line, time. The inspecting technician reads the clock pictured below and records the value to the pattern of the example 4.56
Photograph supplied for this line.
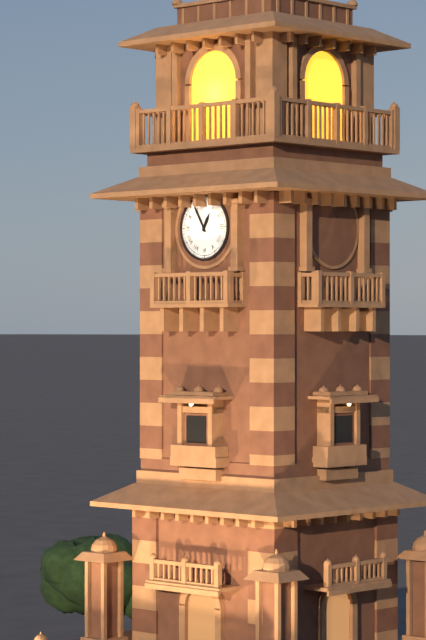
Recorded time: 12.55
